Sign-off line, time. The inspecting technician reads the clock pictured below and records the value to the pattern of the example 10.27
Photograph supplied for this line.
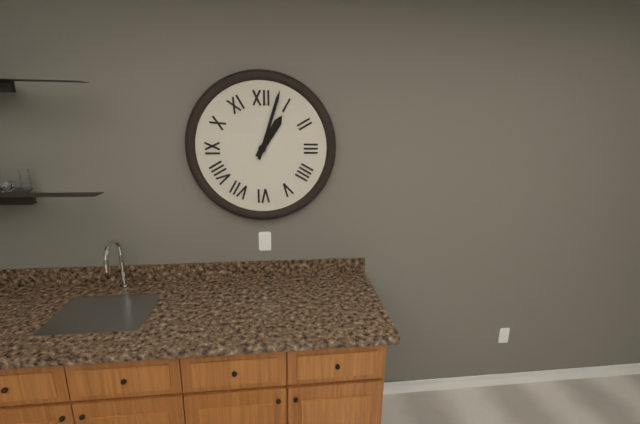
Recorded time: 1.03
